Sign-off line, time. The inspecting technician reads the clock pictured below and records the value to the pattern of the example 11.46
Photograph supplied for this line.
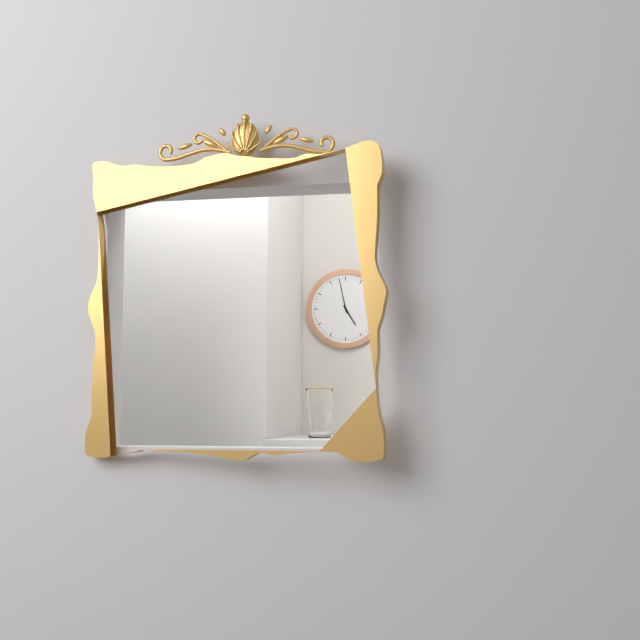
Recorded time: 4.58
